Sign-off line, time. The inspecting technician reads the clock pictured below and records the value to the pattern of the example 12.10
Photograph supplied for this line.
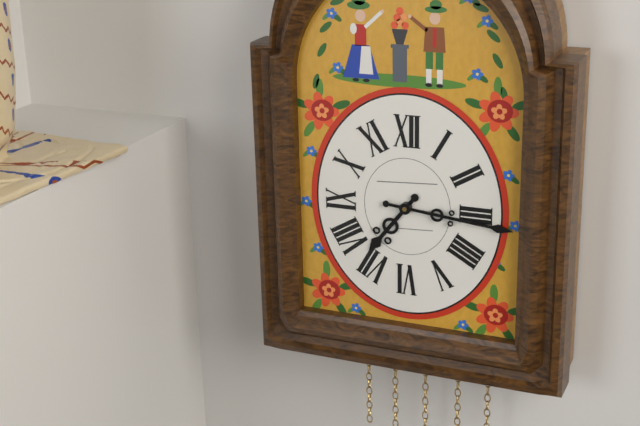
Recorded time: 7.16
